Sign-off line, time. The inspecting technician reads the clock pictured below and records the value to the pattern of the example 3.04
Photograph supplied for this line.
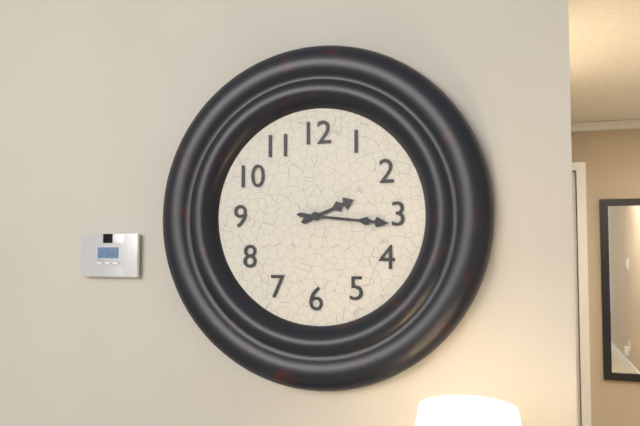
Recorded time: 2.16
